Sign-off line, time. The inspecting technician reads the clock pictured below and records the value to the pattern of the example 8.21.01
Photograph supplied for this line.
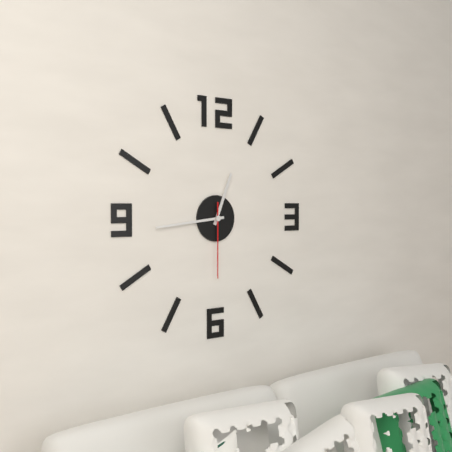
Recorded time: 12.44.30
